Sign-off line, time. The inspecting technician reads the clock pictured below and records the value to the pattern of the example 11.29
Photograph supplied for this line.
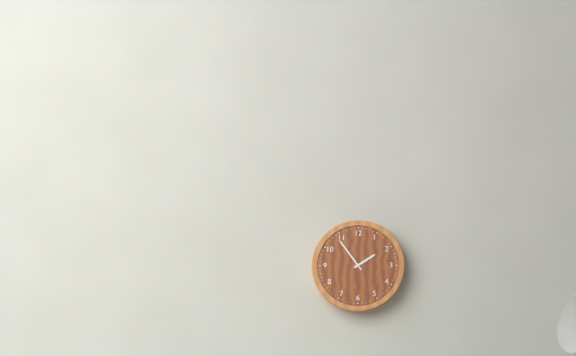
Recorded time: 1.54
